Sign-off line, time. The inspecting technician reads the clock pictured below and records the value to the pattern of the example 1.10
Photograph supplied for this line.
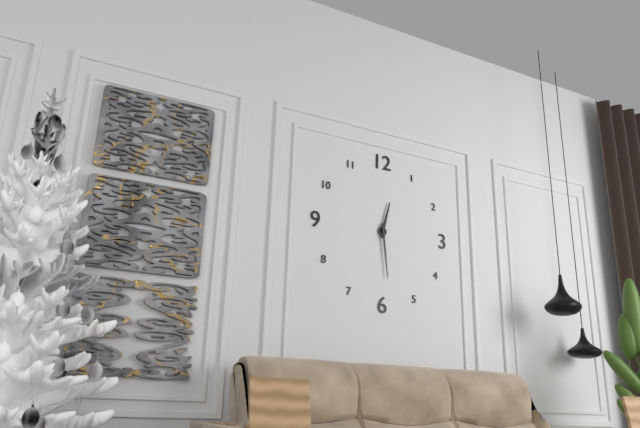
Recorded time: 12.29
